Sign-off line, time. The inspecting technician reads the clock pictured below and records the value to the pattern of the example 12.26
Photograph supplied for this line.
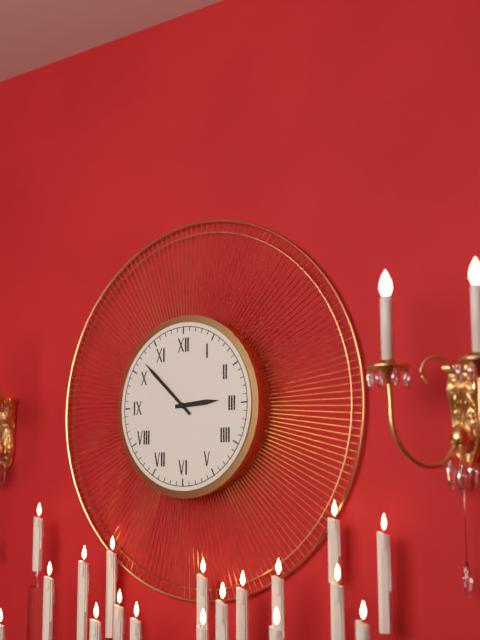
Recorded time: 2.52
